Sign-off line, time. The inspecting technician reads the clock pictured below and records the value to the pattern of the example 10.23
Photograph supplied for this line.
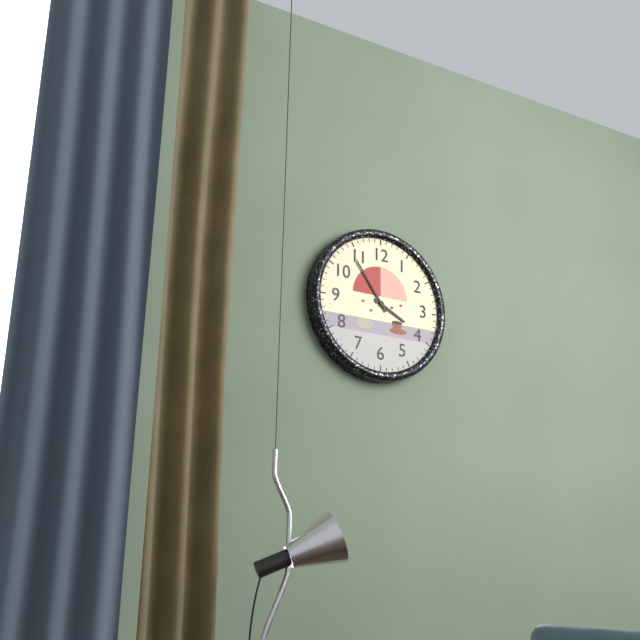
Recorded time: 3.54
